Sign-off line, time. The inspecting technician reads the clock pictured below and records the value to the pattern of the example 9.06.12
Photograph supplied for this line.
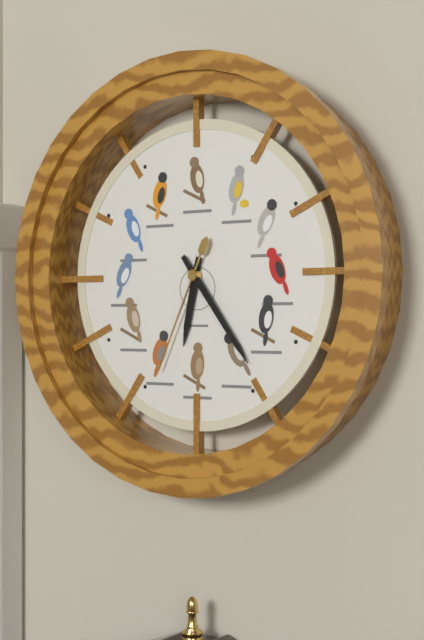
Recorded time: 6.24.34
